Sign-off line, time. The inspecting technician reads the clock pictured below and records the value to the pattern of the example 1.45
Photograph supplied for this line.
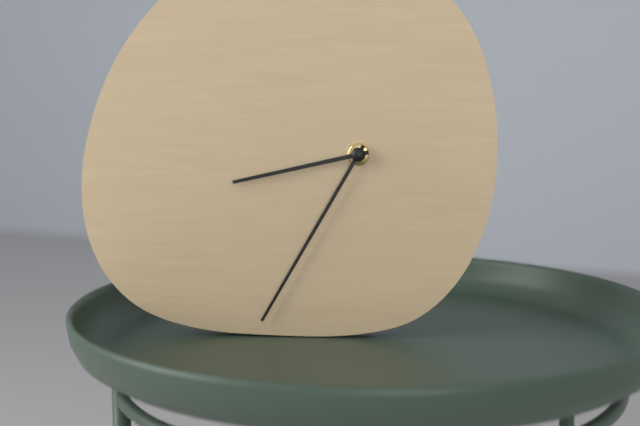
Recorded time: 8.35
